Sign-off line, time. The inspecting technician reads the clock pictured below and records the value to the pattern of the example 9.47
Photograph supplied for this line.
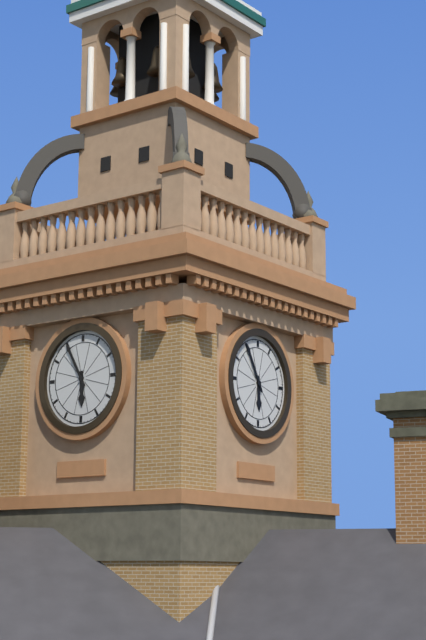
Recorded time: 5.55
